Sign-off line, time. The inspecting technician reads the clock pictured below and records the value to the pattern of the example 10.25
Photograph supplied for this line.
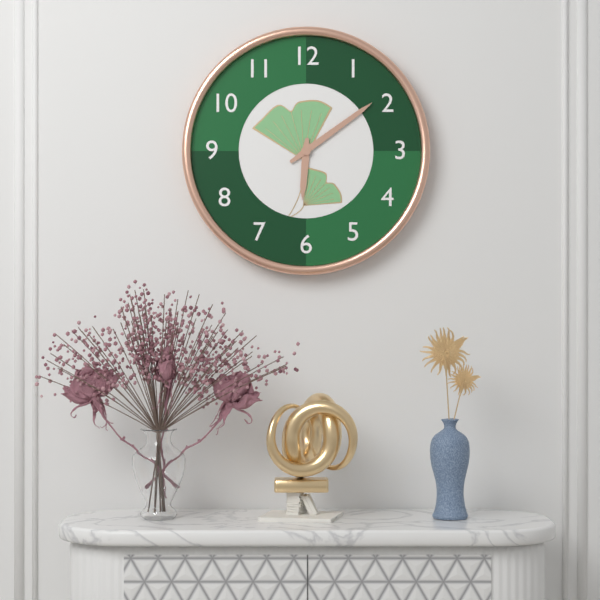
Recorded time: 6.09
